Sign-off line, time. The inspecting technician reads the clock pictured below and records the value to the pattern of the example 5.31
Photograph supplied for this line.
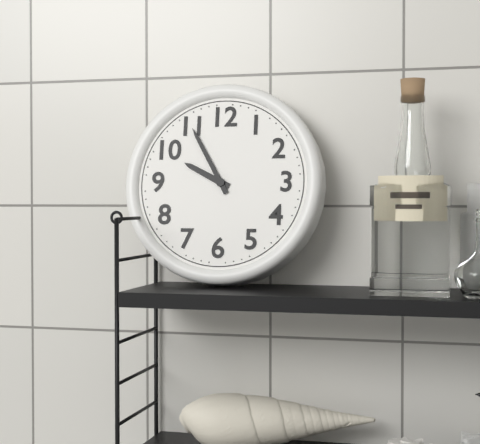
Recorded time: 9.55
